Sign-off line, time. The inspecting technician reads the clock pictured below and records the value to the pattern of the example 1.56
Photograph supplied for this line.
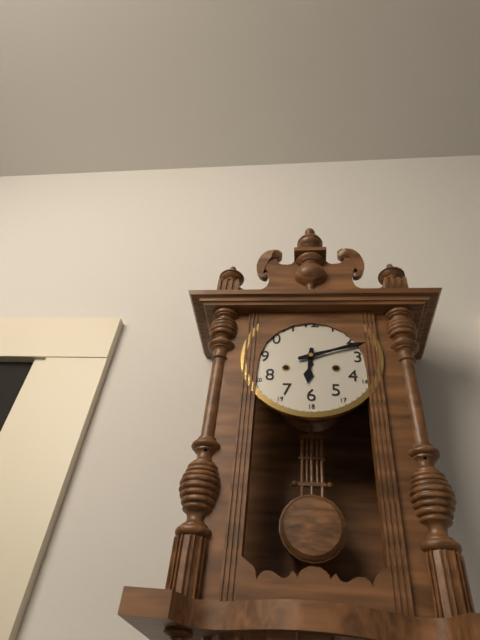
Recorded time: 6.12
